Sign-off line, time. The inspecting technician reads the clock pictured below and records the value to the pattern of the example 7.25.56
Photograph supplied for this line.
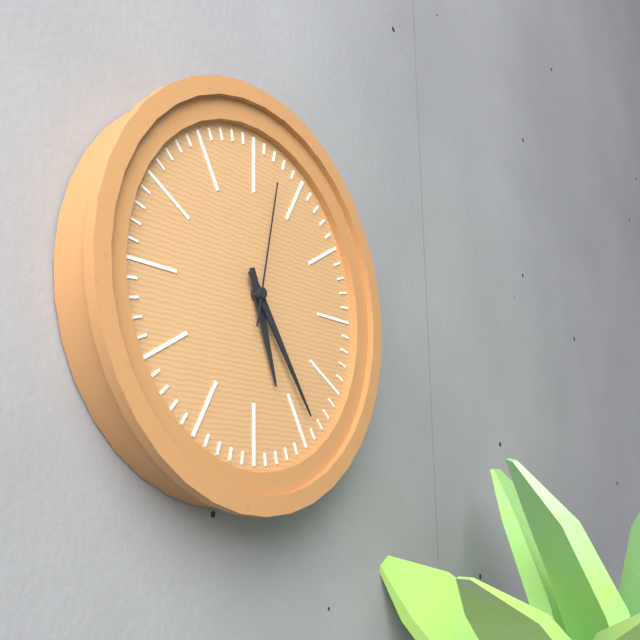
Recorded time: 5.24.02
